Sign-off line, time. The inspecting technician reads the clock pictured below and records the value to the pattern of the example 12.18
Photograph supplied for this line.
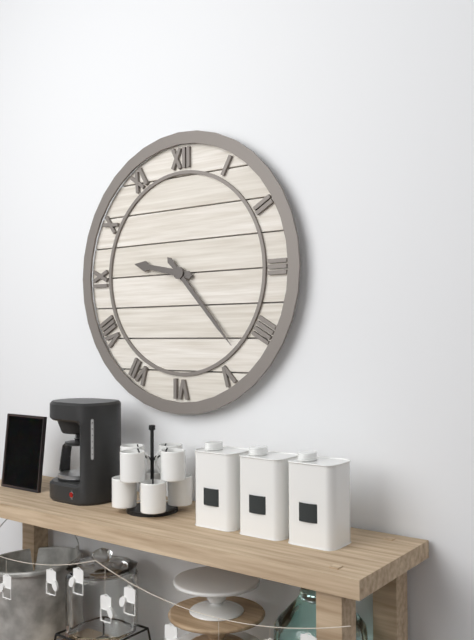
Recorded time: 9.23
